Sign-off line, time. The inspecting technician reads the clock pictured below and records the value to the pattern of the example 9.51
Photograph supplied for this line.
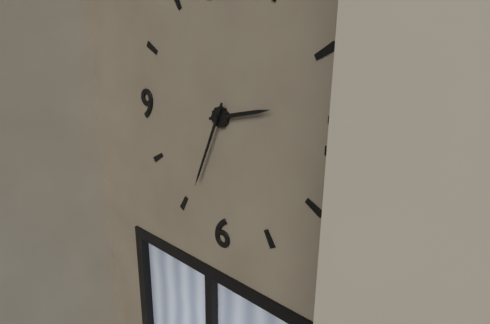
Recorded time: 2.34
